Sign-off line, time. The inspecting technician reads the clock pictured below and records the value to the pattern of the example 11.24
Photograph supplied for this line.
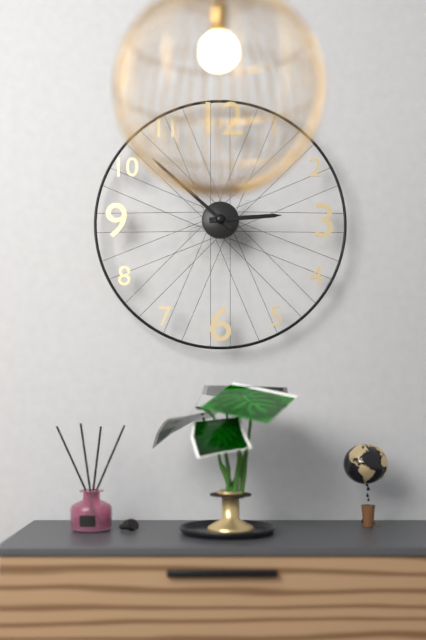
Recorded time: 2.52
